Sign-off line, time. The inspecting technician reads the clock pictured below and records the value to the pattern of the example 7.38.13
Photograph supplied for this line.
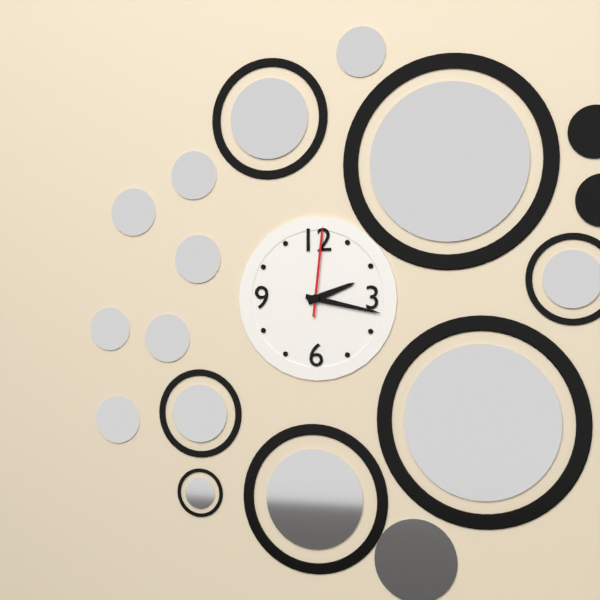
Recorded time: 2.17.01
